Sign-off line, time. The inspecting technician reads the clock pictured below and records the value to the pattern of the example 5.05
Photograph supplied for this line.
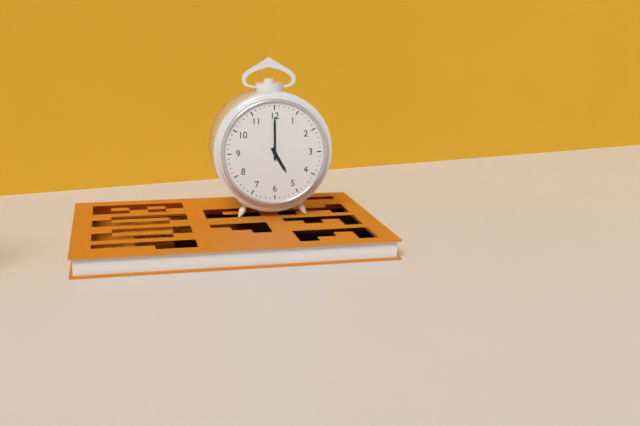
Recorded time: 5.00
